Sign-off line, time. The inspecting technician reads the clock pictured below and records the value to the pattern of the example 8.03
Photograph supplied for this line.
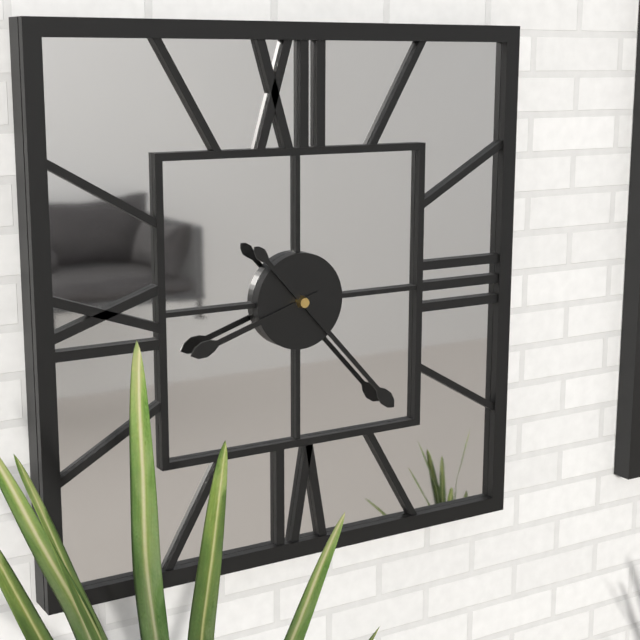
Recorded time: 8.23
